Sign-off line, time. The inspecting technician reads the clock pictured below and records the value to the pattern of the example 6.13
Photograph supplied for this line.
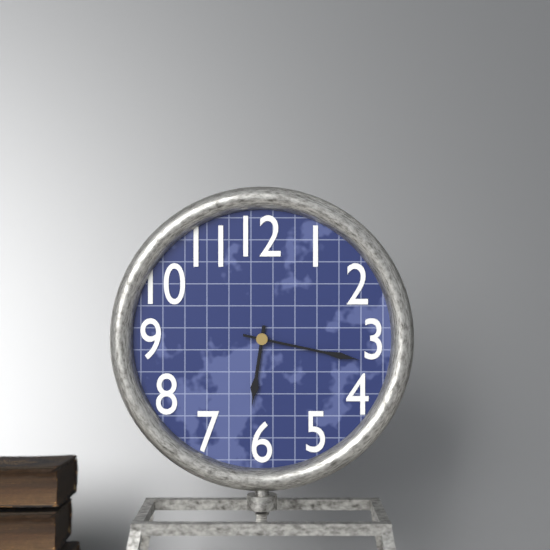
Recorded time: 6.17
